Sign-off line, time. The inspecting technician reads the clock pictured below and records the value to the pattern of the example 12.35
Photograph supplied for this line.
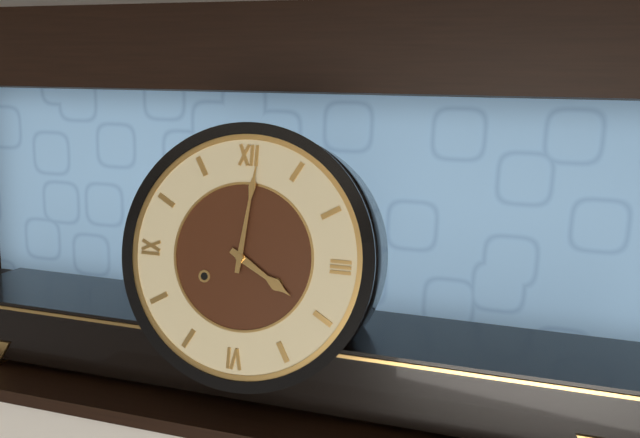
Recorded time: 4.01
